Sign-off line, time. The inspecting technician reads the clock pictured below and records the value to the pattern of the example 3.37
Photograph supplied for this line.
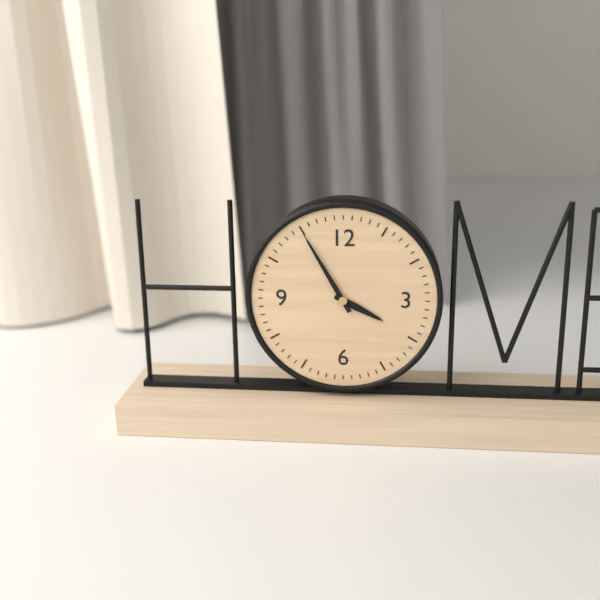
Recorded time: 3.55
